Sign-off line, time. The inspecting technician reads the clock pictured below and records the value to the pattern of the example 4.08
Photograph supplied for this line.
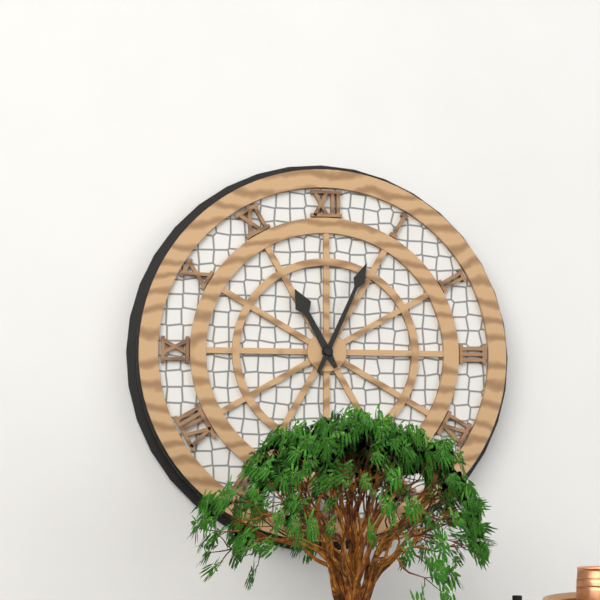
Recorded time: 11.04
